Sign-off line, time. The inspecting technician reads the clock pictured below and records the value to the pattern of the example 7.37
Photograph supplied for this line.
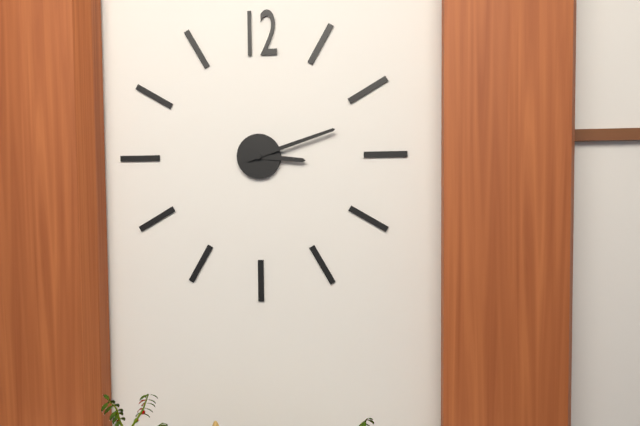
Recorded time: 3.12
